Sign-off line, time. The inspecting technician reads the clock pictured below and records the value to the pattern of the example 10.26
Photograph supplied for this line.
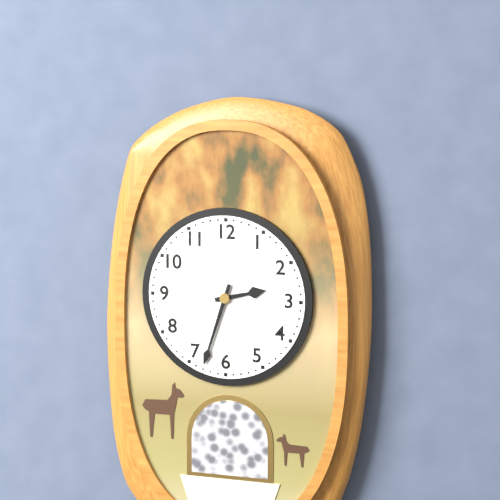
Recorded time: 2.33
